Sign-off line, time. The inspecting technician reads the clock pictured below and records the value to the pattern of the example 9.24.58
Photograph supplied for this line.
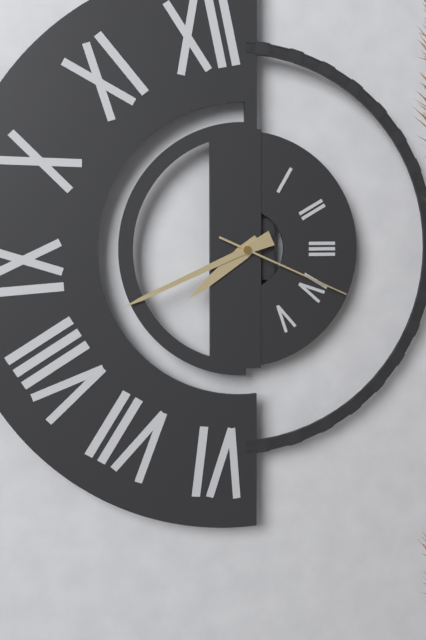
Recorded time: 7.41.19
